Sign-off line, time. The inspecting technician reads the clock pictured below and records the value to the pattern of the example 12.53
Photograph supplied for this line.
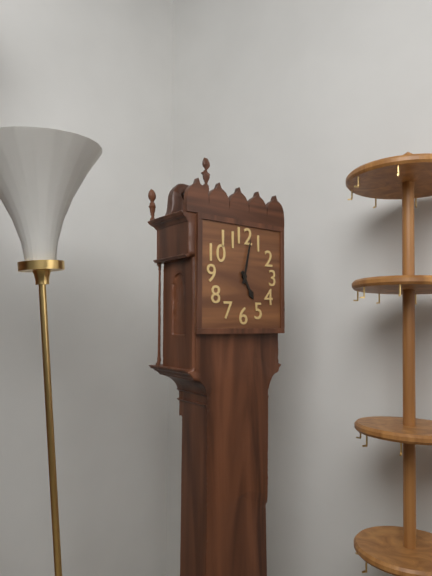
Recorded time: 5.02
